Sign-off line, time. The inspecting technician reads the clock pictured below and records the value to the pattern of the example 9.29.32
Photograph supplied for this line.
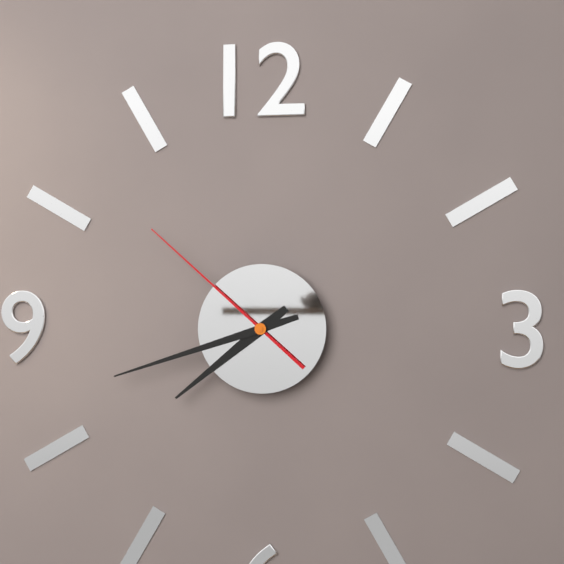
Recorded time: 7.42.52
